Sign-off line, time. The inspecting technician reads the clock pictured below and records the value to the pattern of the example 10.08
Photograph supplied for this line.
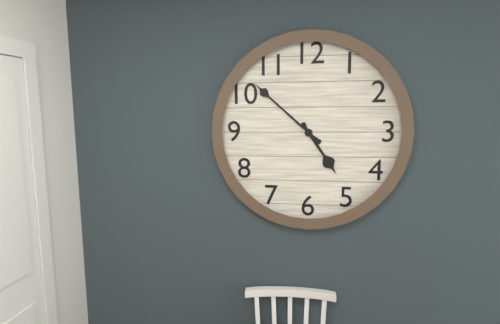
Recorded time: 4.52
